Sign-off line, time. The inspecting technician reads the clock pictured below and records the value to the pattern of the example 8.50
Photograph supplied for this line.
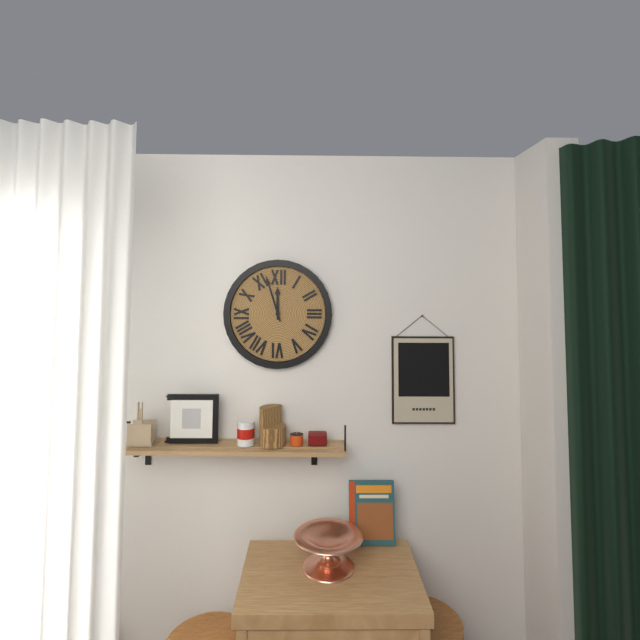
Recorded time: 11.57
